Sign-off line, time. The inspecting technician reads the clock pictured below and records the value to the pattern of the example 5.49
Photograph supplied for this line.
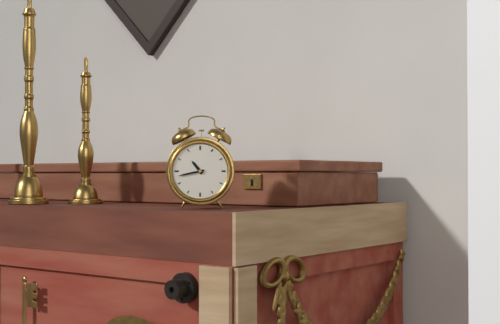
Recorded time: 10.43
